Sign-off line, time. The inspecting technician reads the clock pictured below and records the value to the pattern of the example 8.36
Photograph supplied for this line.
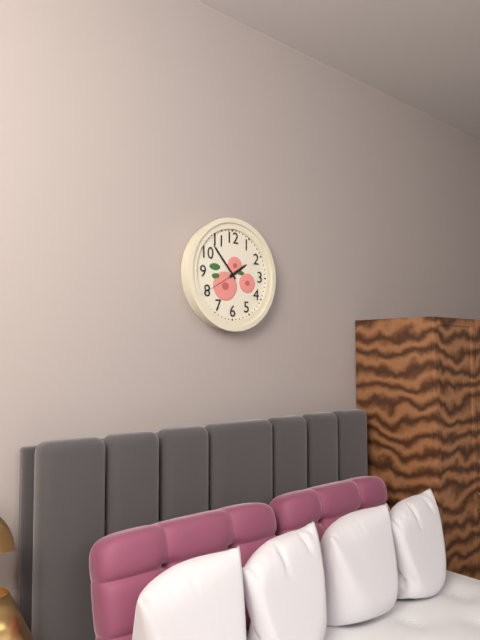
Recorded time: 1.53
